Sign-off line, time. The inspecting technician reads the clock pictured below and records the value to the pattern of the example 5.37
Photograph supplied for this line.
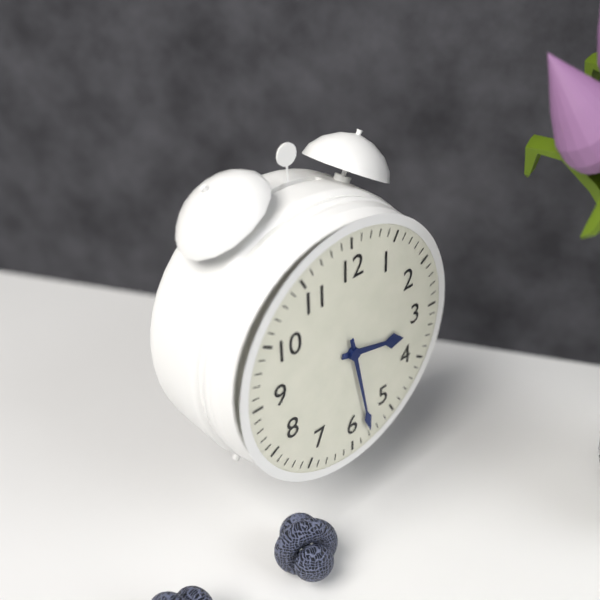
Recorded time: 3.28
